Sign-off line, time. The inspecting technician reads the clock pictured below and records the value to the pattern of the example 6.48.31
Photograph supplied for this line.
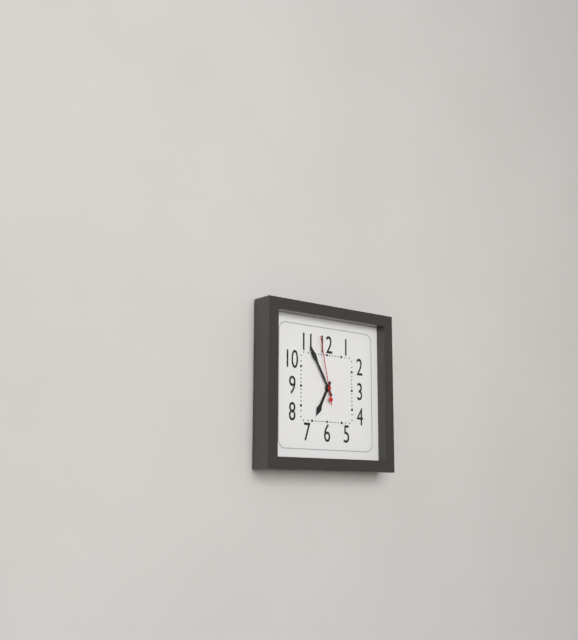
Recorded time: 6.55.58
